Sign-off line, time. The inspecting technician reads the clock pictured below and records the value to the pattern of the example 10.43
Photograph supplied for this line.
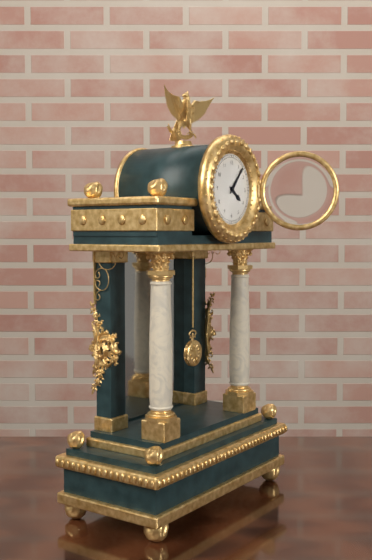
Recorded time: 4.07
